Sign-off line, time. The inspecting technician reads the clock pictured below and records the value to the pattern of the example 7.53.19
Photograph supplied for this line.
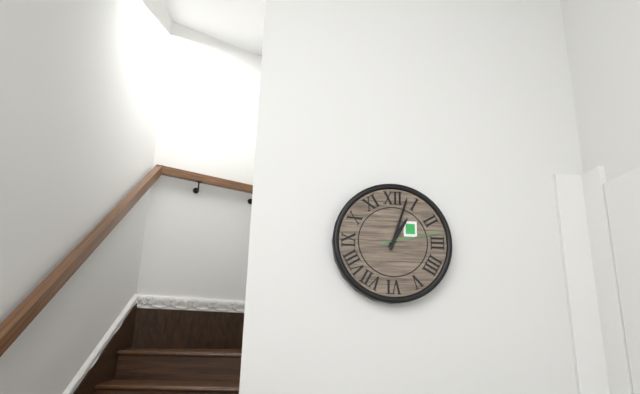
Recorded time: 1.03.13
